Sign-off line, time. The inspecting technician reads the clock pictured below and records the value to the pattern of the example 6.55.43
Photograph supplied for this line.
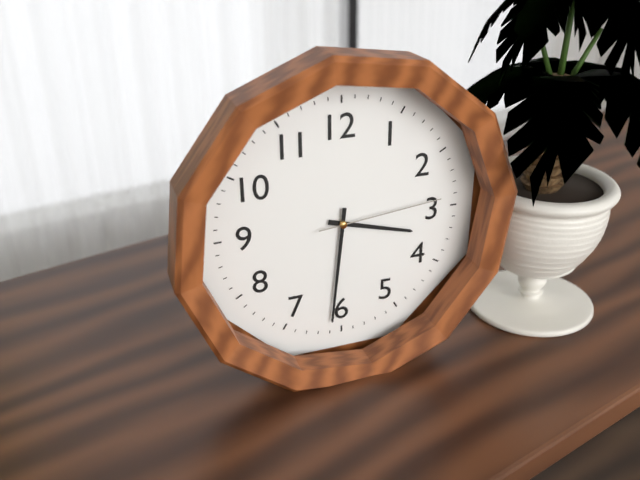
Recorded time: 3.31.14
